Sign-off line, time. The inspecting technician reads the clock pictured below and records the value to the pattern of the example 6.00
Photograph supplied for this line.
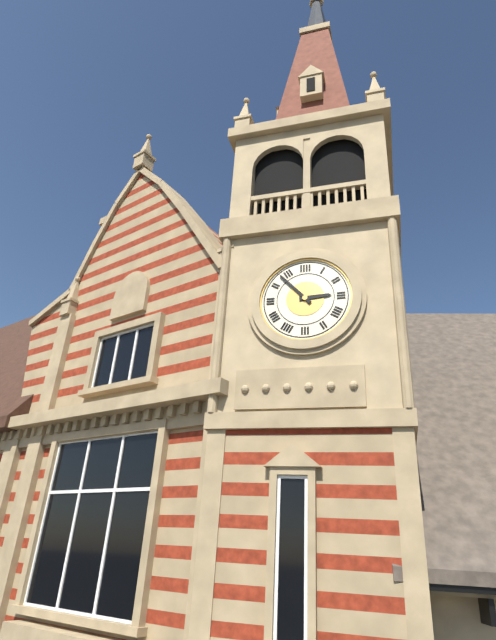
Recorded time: 2.53
